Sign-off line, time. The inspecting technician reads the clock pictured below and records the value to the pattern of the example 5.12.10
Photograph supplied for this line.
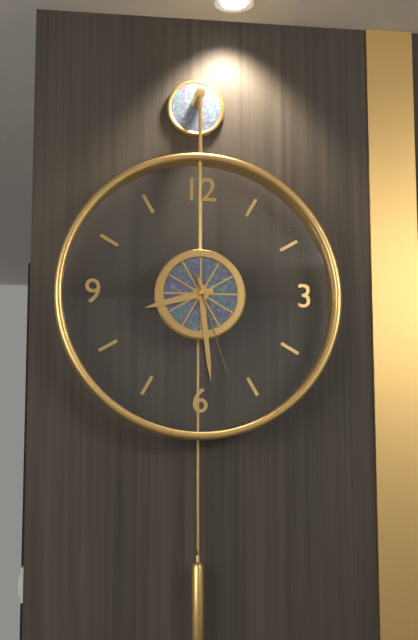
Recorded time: 8.29.27
